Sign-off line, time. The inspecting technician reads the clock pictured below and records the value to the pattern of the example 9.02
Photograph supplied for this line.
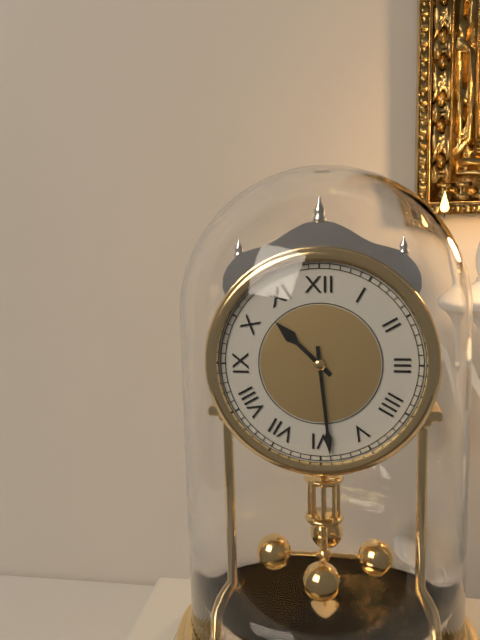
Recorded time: 10.29
